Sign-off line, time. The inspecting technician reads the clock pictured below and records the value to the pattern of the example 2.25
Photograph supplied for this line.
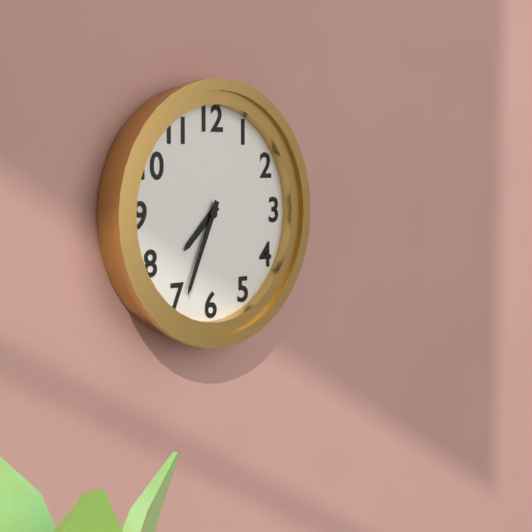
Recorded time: 7.34
